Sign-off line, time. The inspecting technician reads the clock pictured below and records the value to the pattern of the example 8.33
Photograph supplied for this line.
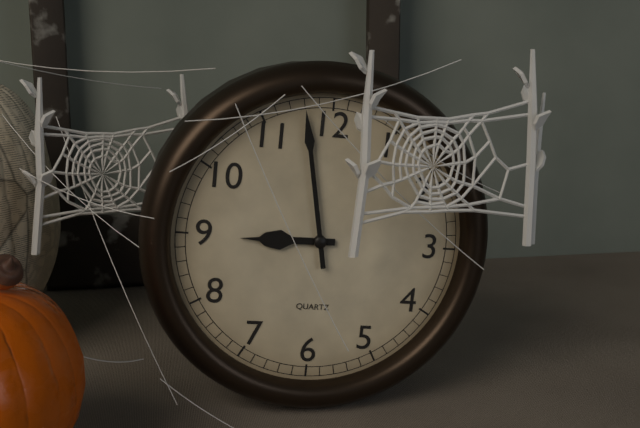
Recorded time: 8.58
